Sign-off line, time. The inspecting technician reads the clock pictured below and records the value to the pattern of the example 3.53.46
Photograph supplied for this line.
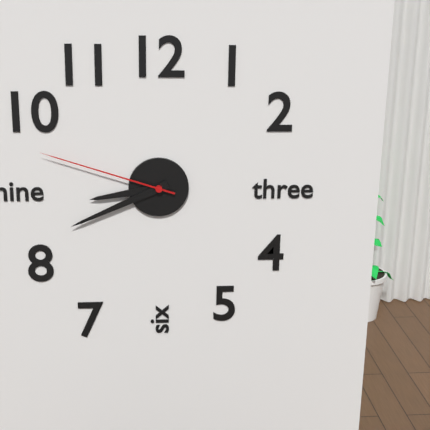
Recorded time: 8.41.48
